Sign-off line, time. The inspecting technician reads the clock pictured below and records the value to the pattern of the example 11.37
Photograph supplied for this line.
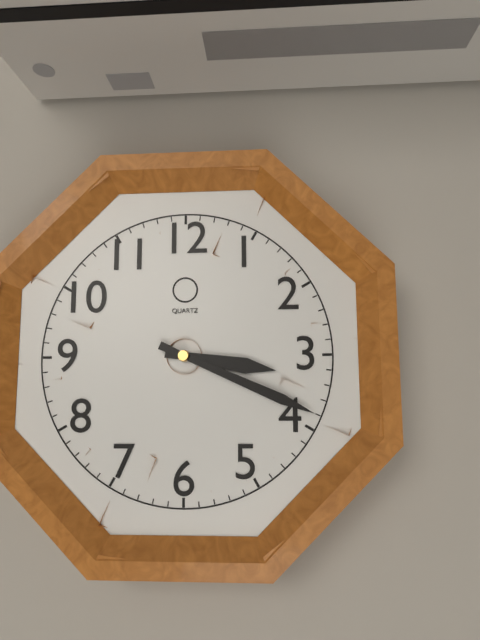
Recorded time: 3.19
